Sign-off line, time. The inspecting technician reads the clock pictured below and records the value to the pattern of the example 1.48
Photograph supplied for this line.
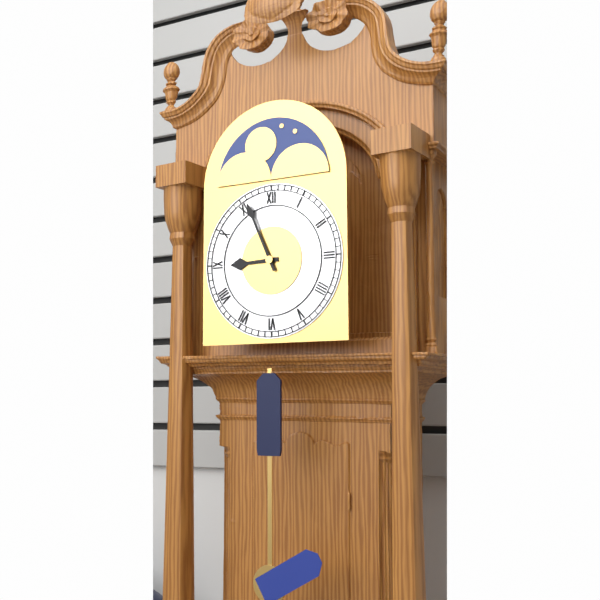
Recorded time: 8.56
